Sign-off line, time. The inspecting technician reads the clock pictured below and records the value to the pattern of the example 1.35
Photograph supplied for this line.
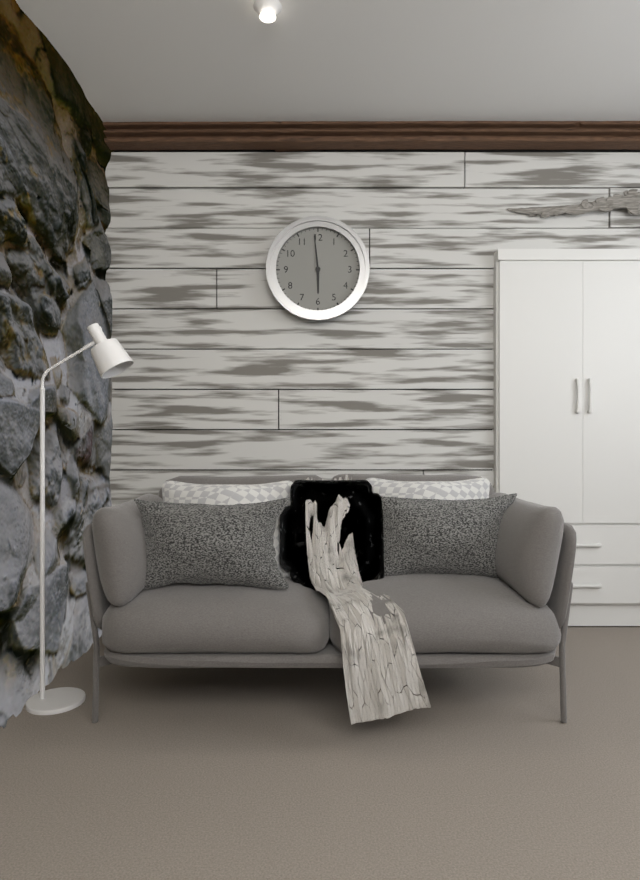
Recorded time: 5.59
